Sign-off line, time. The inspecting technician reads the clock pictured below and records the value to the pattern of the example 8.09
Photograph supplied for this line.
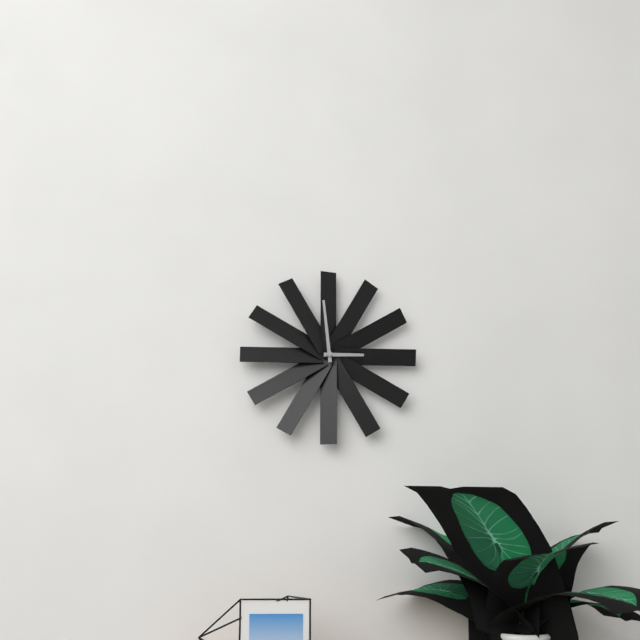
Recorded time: 2.59
